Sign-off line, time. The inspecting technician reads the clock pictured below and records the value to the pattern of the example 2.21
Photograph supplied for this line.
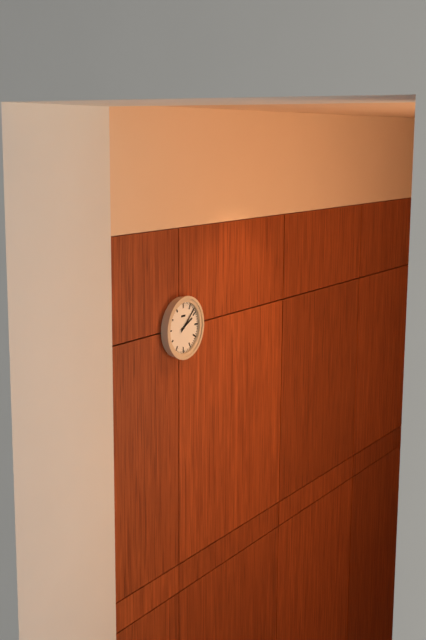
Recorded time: 2.08
